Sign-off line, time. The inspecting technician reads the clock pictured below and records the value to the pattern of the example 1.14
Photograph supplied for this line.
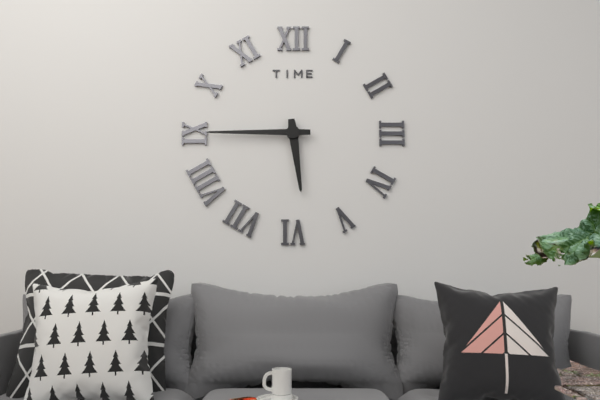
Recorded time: 5.45
